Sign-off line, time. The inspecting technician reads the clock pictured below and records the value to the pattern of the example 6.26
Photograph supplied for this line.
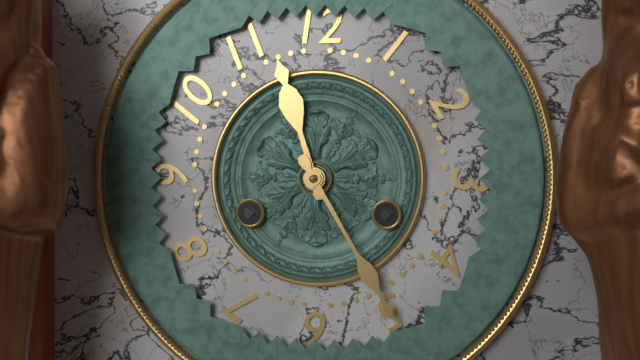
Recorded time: 11.25
